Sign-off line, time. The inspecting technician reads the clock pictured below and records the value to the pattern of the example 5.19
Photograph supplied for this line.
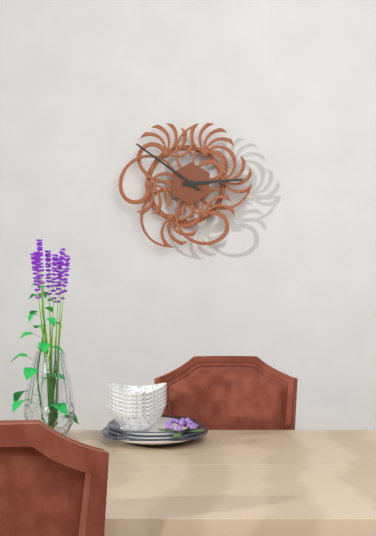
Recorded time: 2.51
